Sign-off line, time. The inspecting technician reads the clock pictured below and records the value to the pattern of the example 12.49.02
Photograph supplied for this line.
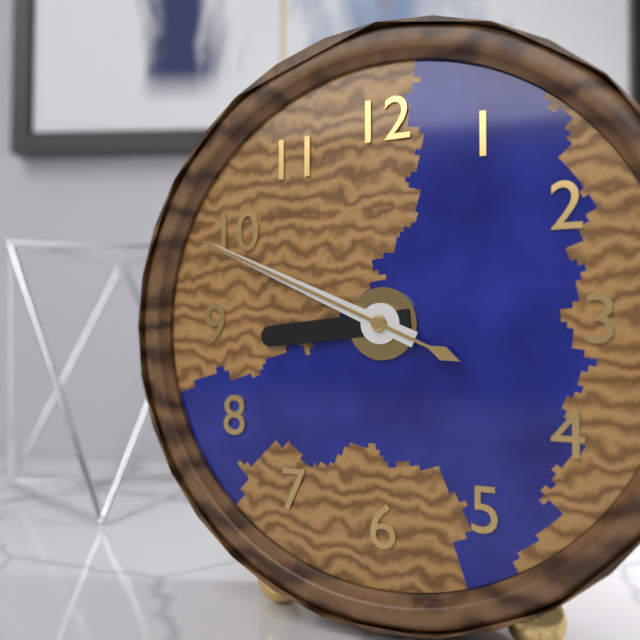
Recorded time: 8.49.49
